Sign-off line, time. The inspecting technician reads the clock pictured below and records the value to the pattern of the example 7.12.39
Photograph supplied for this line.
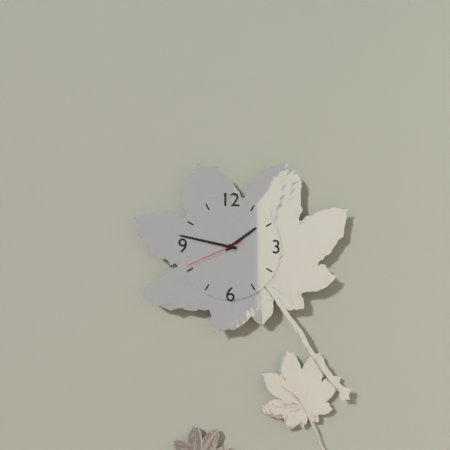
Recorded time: 1.47.41
